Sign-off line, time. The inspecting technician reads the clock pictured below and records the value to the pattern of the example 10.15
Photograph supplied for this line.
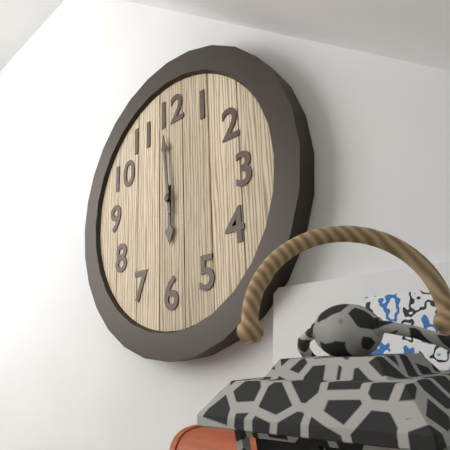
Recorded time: 5.59
